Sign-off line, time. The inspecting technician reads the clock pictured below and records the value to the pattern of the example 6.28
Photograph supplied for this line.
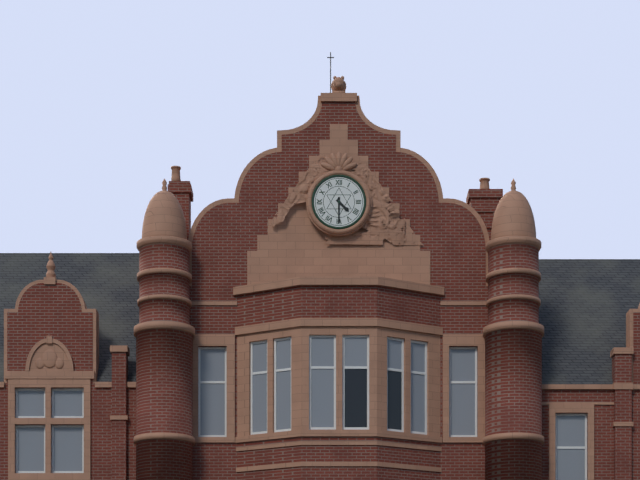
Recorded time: 4.30
